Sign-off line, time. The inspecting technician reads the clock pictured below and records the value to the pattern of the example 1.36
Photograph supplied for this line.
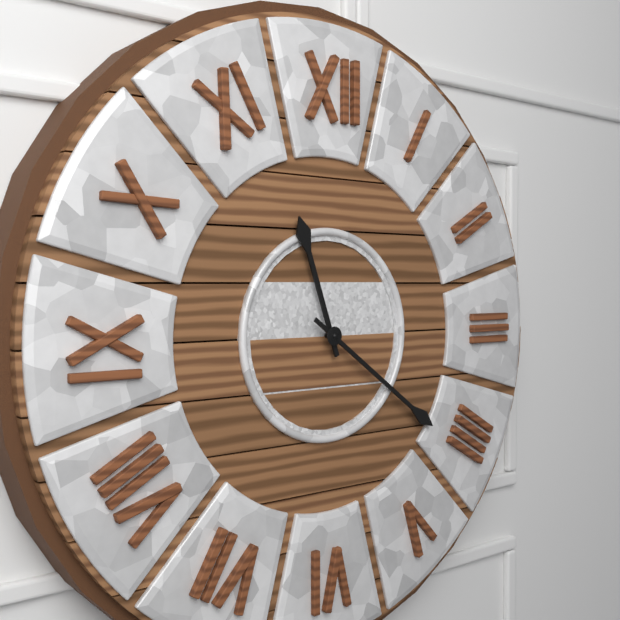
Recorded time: 11.21
